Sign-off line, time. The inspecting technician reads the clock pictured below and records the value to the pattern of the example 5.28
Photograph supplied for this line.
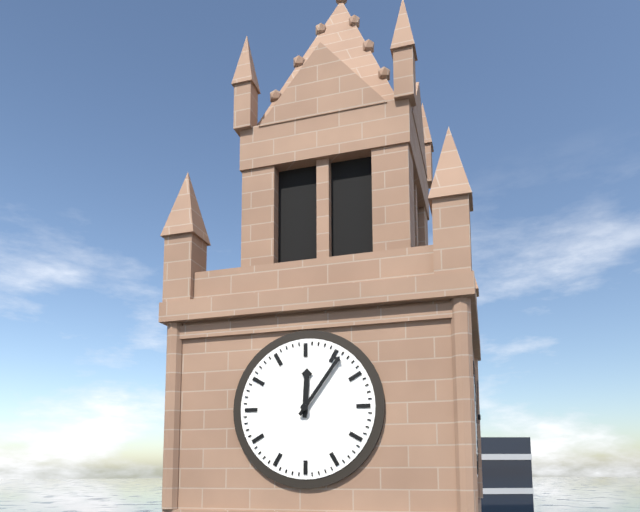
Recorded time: 12.06
